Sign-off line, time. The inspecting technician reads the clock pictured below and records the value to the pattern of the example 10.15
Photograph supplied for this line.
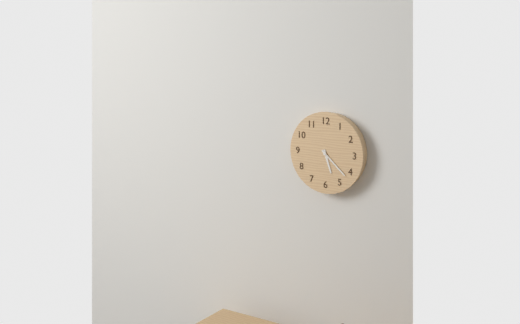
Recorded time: 5.22
